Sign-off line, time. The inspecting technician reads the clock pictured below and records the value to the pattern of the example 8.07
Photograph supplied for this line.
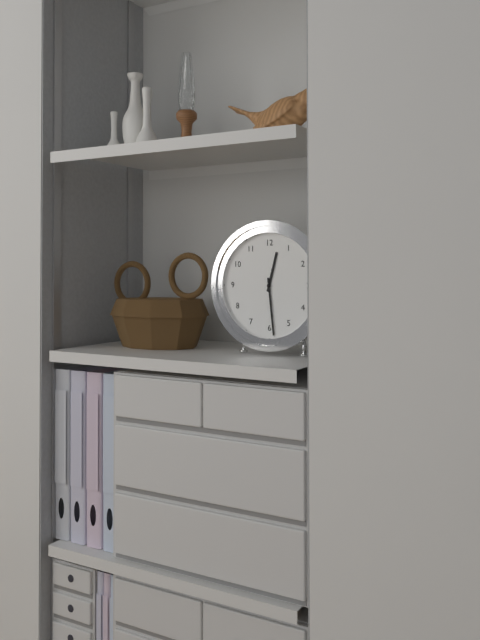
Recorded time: 12.29
